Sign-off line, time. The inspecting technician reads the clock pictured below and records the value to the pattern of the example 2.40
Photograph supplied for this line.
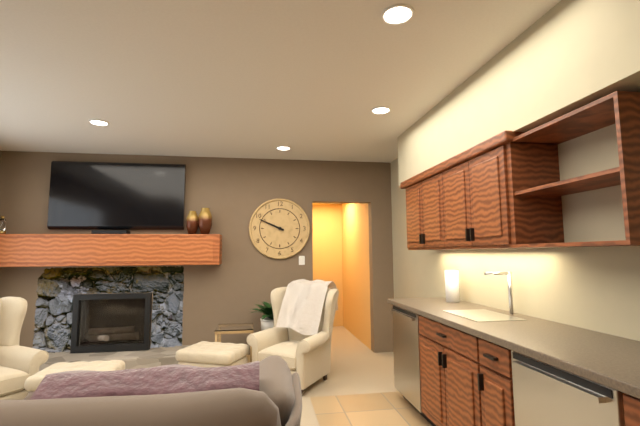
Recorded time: 9.49
